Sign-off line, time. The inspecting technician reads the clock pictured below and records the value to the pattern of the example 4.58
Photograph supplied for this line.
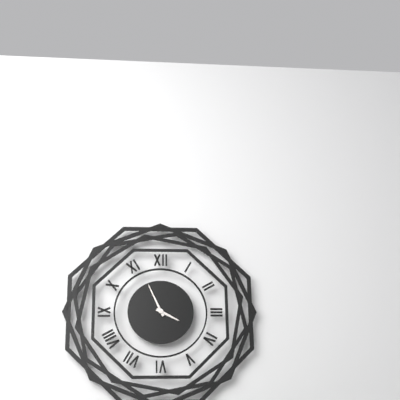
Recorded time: 3.56
